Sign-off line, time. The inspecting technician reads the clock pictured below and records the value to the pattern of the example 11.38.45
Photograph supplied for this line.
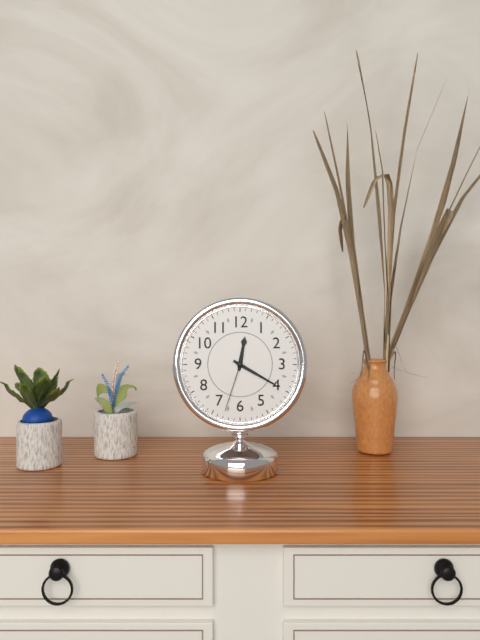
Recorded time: 12.20.33
